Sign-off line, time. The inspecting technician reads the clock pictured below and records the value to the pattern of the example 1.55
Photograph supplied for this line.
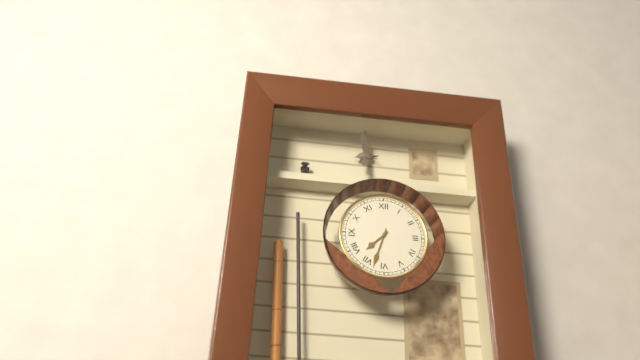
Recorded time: 7.33
